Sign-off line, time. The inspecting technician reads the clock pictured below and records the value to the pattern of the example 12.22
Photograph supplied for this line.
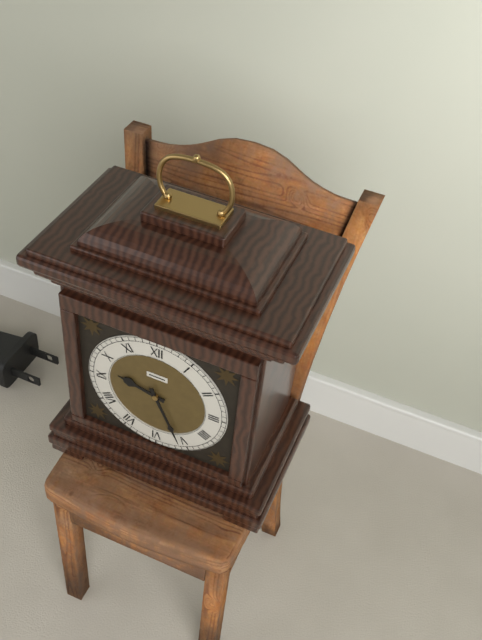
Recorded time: 9.26
